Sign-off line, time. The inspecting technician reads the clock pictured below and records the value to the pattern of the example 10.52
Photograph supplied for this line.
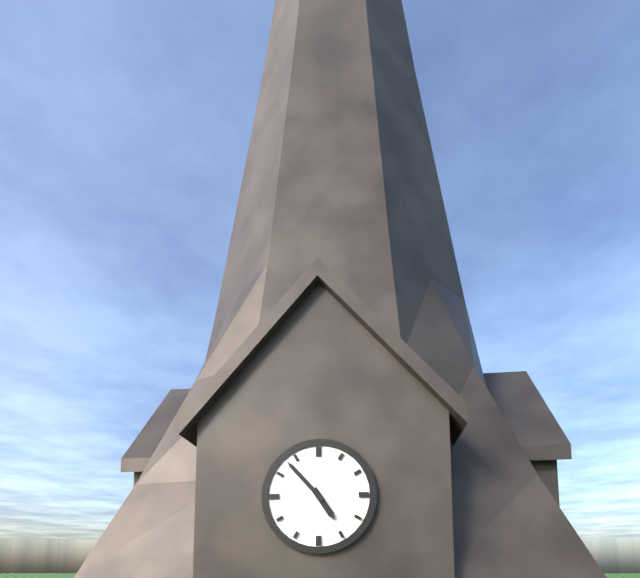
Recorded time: 4.53
